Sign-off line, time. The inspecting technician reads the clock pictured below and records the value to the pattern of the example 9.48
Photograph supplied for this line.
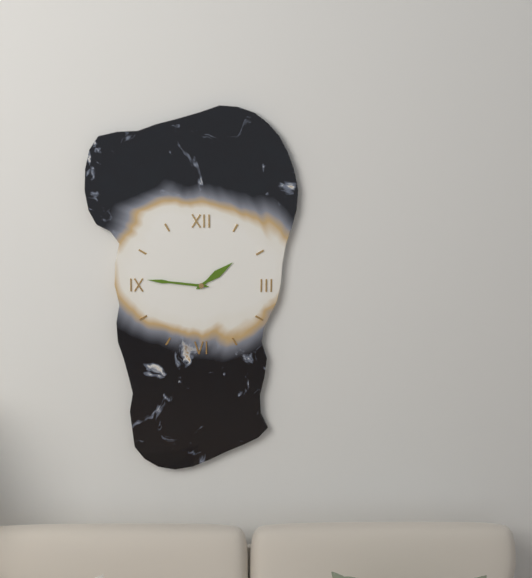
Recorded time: 1.46
